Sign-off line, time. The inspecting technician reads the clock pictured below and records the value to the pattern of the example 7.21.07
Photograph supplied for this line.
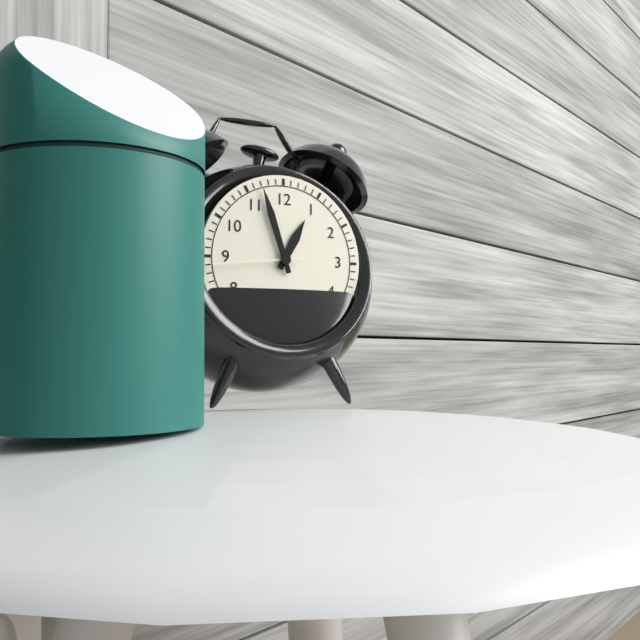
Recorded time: 12.57.44
